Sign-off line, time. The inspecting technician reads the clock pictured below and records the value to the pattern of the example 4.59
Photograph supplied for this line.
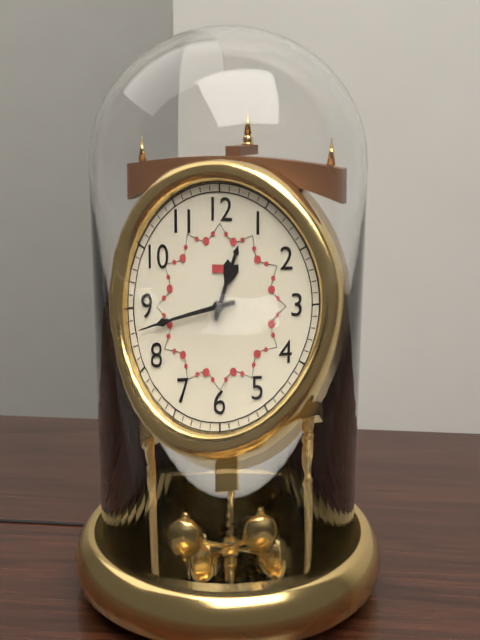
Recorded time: 12.43
